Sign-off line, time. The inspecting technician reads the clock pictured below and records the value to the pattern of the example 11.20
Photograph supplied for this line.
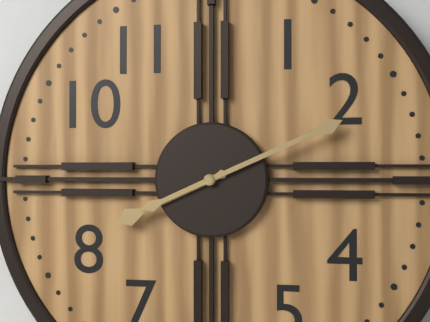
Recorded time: 8.11
